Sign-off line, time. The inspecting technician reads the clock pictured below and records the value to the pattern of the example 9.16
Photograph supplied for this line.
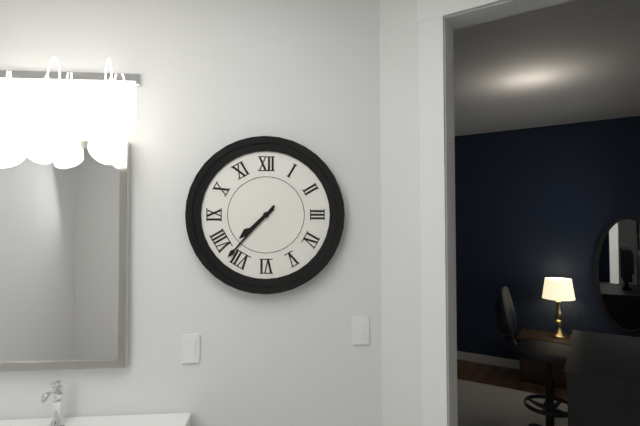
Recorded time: 7.37
